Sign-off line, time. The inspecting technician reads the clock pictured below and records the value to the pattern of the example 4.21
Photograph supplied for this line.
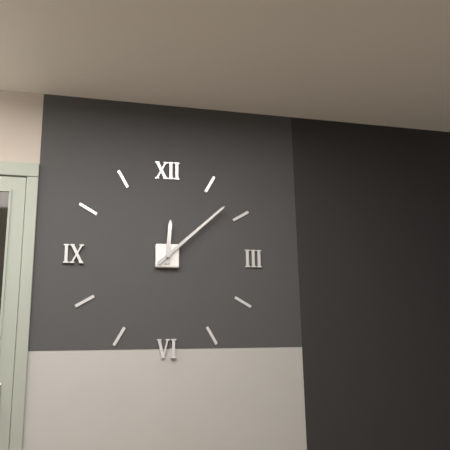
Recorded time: 12.08
